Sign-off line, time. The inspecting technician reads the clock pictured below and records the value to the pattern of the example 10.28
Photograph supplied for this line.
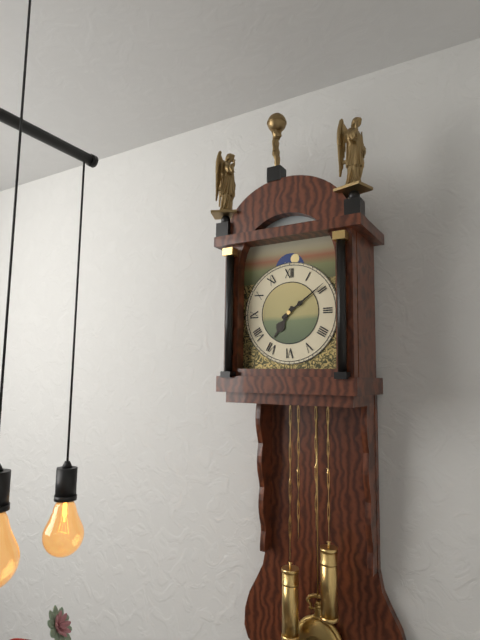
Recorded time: 7.09
